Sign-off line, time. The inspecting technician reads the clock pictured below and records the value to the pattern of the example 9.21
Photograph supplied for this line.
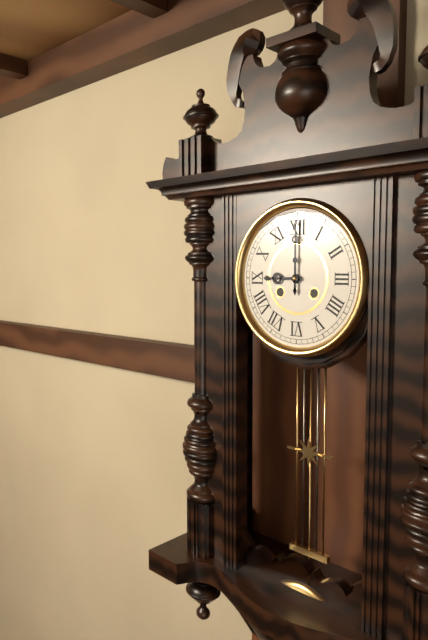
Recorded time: 9.00
